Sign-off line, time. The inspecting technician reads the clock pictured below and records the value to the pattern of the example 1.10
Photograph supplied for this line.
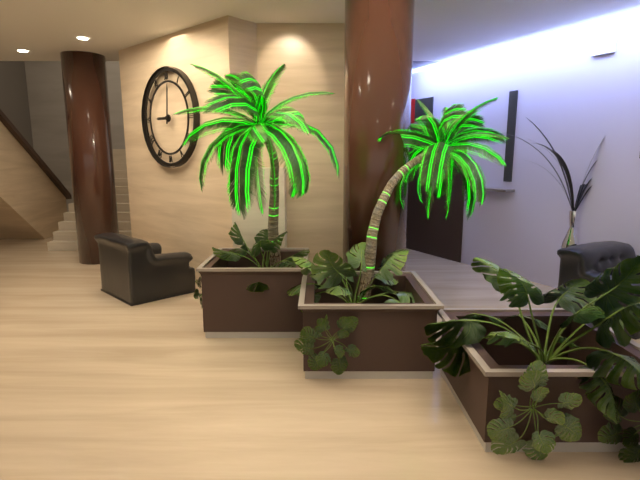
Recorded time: 9.01
